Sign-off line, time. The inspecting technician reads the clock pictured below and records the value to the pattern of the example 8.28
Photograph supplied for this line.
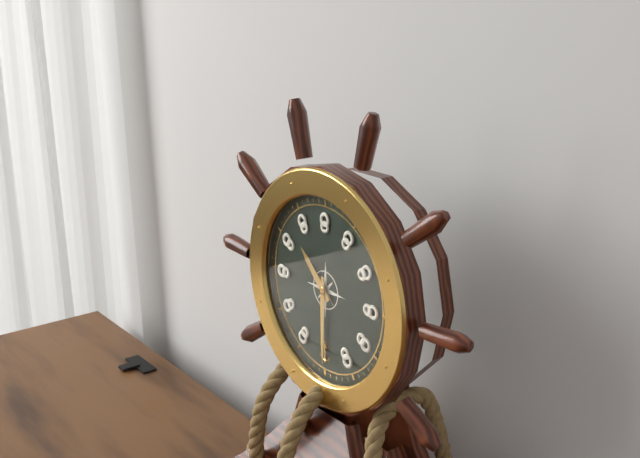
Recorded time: 10.30
